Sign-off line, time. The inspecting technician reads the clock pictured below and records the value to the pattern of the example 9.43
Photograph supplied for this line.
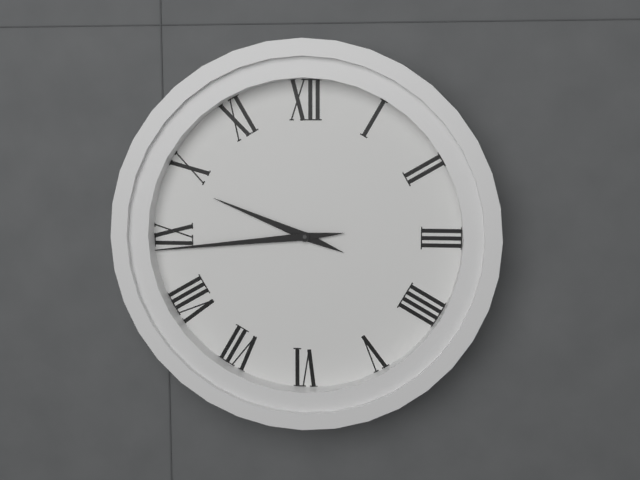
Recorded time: 9.44
